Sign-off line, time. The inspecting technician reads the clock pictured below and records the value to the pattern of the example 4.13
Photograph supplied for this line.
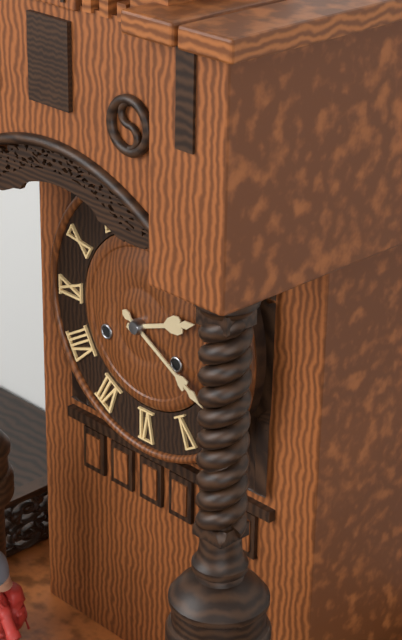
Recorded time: 2.20
